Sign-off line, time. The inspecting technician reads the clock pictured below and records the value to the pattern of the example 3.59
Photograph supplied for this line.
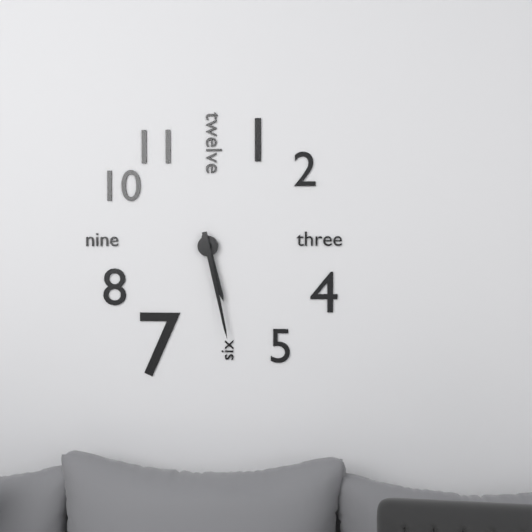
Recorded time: 5.28
